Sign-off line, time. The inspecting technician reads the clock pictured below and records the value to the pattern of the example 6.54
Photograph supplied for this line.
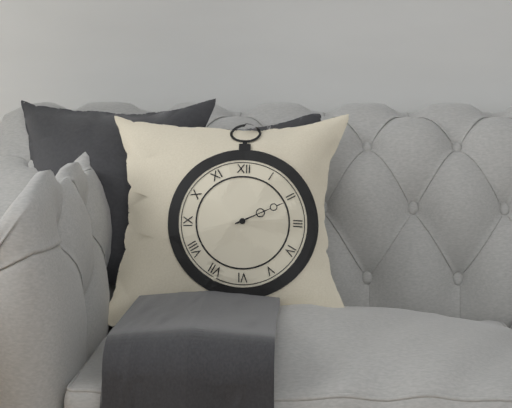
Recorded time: 2.11
